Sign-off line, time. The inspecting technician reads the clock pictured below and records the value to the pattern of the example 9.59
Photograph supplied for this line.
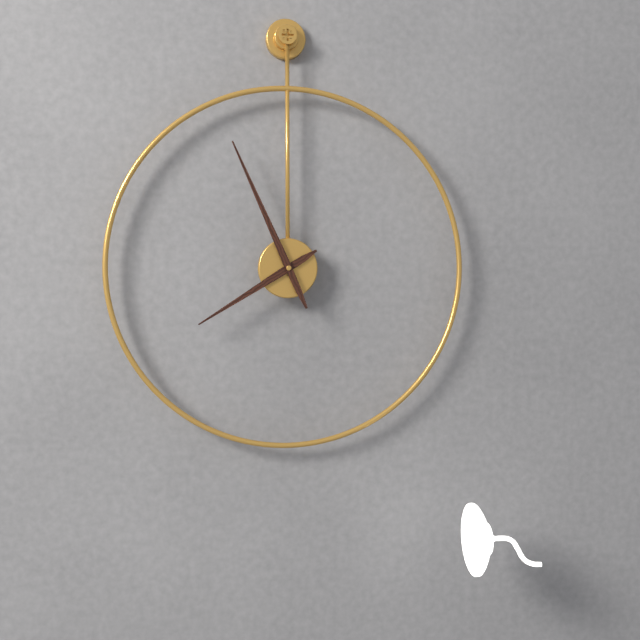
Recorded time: 7.56
